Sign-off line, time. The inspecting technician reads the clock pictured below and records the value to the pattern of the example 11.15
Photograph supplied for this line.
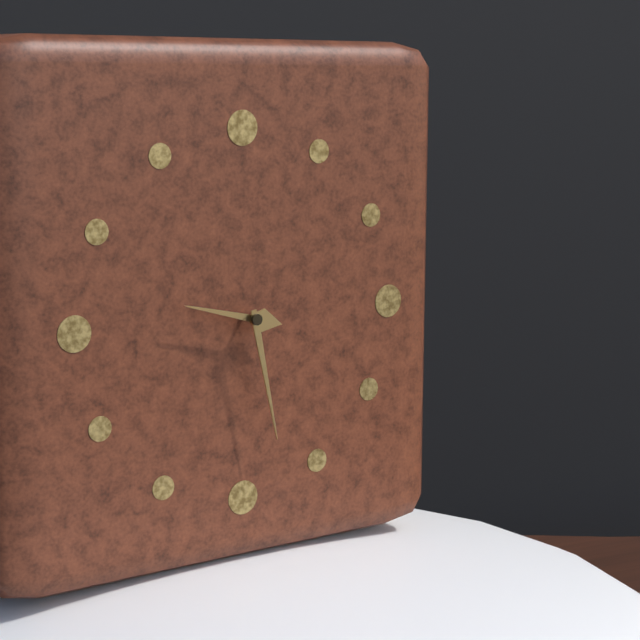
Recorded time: 9.28
